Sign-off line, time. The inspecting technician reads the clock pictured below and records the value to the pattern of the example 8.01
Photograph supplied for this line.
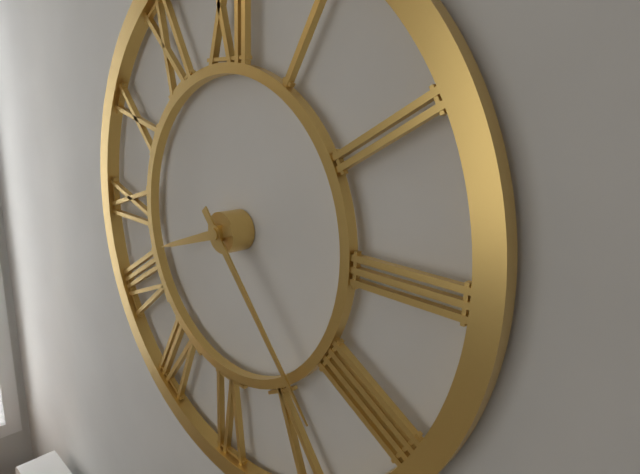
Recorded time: 8.23
